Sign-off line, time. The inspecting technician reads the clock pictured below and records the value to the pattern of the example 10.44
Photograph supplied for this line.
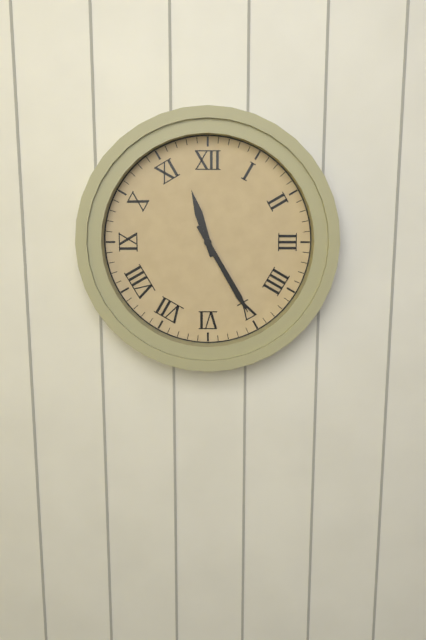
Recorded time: 11.25
